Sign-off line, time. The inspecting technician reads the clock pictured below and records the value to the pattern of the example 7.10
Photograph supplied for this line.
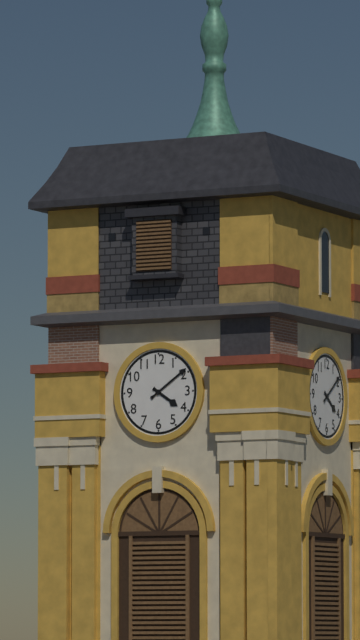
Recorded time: 4.09
